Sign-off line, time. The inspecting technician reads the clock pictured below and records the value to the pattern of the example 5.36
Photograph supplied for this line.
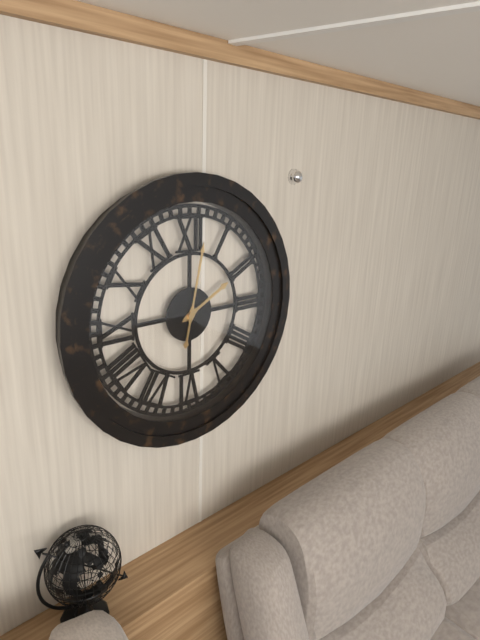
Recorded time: 2.02
